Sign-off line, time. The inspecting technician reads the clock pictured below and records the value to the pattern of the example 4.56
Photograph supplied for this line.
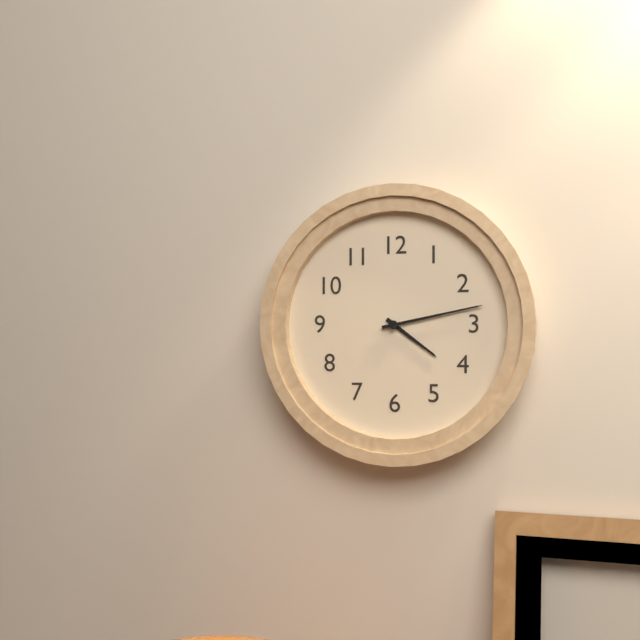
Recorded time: 4.13
